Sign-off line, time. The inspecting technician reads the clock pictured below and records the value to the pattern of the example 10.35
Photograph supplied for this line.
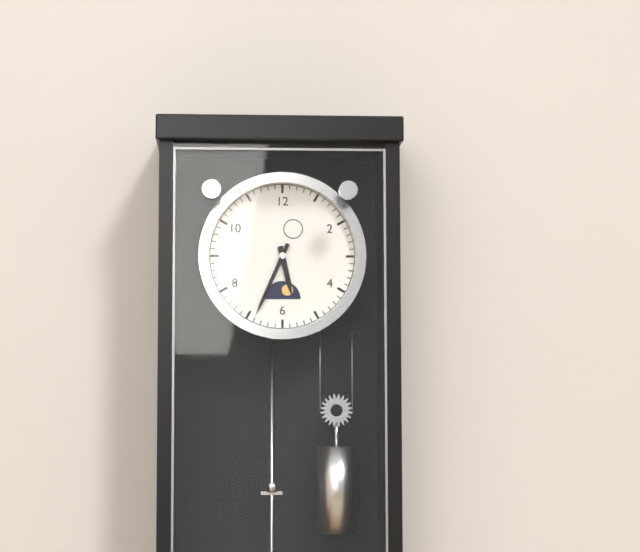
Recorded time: 5.34
